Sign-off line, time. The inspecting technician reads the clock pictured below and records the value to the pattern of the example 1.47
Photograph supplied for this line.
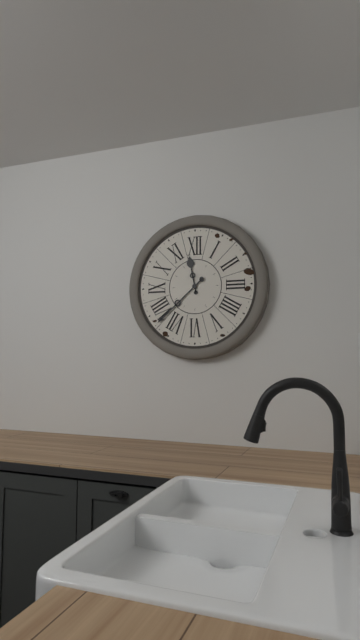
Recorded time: 11.38
